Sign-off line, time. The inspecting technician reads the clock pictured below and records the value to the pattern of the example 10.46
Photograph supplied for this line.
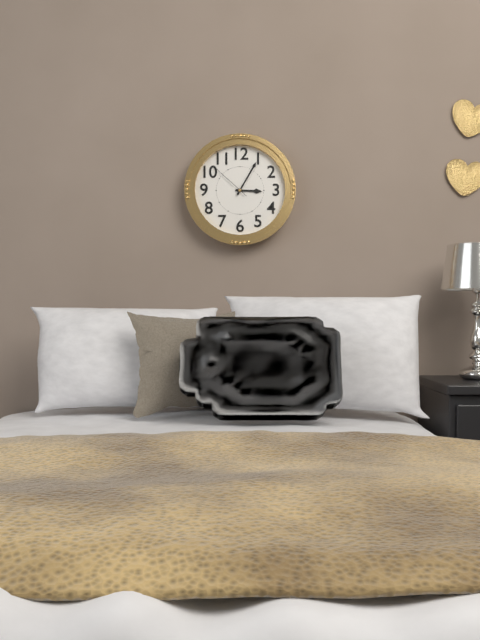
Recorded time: 3.05
